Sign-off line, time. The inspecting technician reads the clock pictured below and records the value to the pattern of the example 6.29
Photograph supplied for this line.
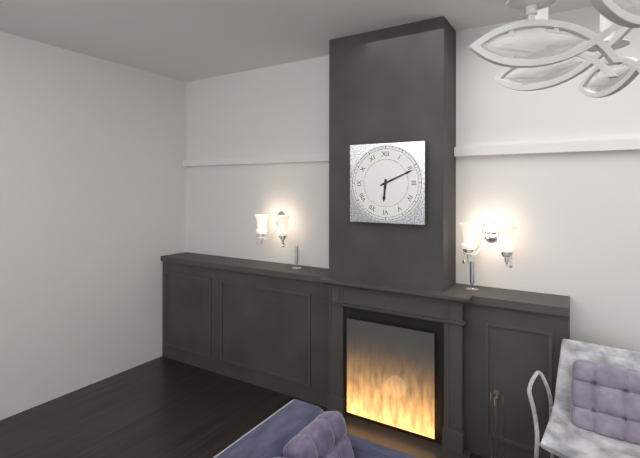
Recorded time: 6.11
